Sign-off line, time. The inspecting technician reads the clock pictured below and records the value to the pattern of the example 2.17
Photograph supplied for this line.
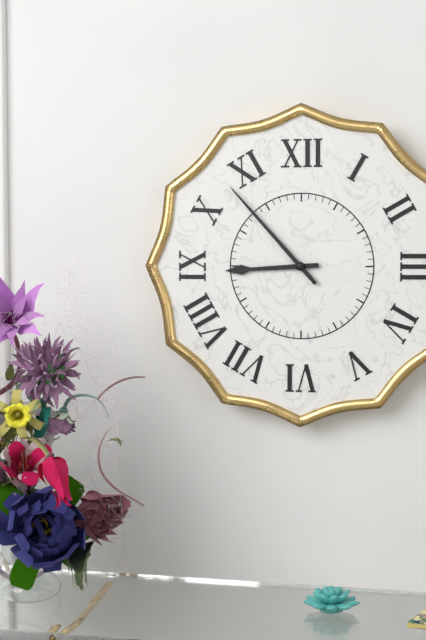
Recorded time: 8.53
